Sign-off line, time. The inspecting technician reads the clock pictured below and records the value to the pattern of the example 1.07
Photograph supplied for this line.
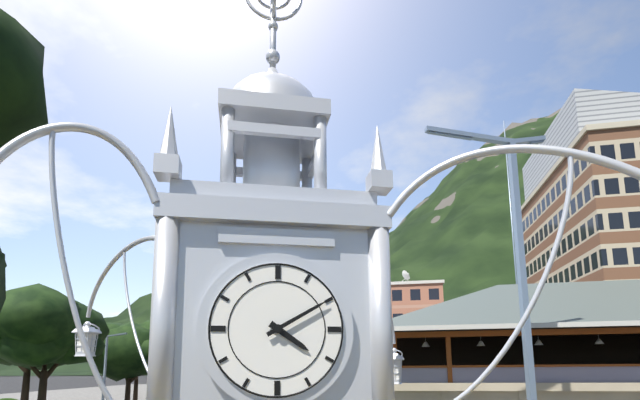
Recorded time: 4.10
